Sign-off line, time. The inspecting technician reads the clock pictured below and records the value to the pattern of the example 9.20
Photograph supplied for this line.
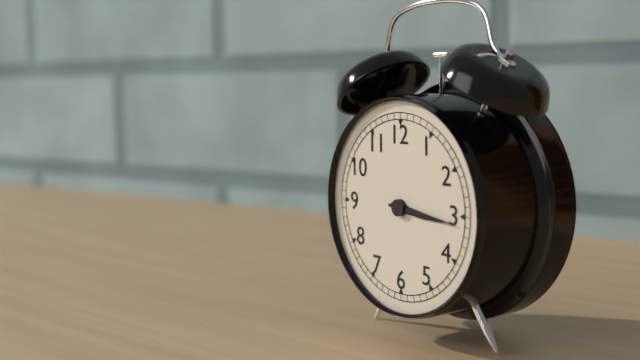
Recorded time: 3.16
